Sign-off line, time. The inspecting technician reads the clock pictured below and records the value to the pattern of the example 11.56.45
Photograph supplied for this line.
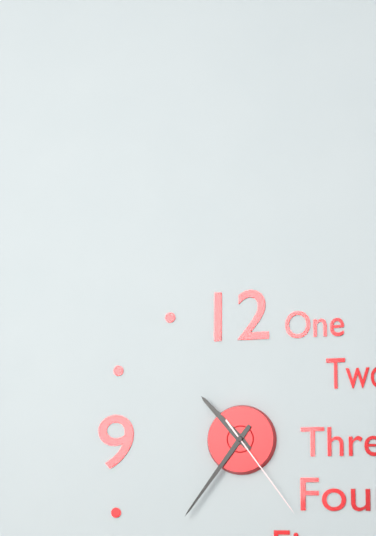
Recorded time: 10.36.24
